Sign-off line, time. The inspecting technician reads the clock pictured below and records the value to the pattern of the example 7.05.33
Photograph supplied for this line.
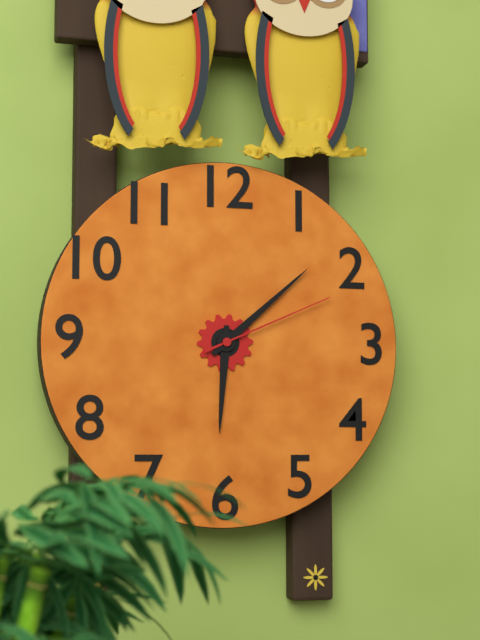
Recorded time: 6.08.11
